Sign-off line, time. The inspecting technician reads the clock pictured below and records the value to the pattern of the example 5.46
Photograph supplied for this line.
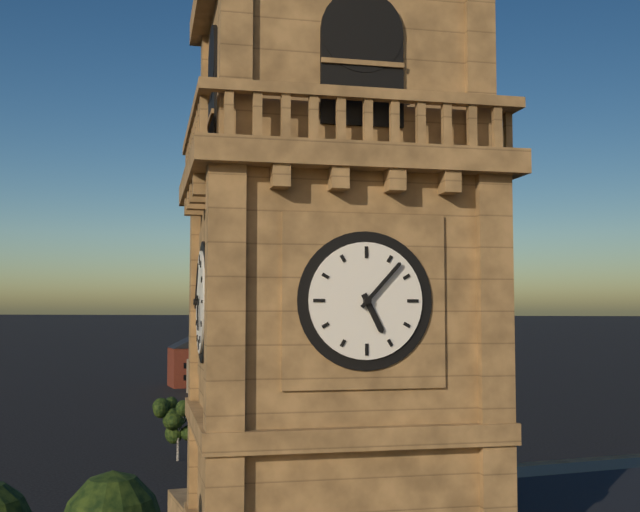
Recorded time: 5.07
